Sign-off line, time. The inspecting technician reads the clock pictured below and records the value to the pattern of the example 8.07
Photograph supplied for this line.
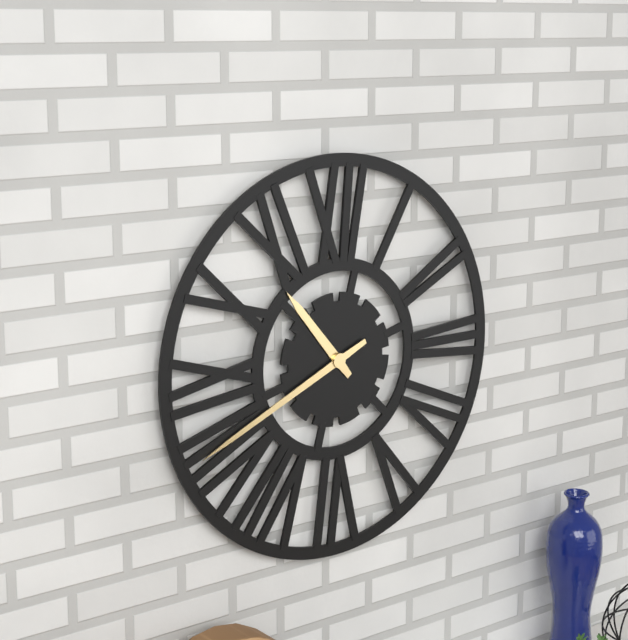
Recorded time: 10.41
